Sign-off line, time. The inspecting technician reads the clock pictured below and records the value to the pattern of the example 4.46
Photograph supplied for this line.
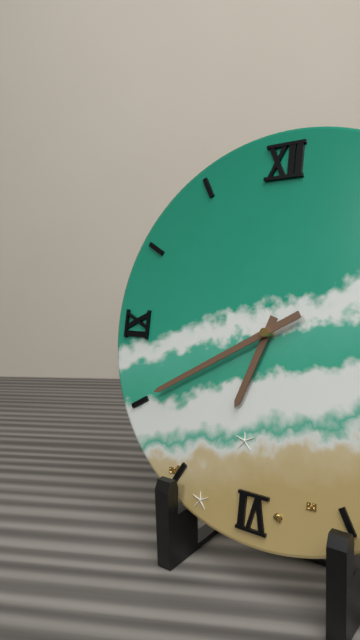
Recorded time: 6.40
